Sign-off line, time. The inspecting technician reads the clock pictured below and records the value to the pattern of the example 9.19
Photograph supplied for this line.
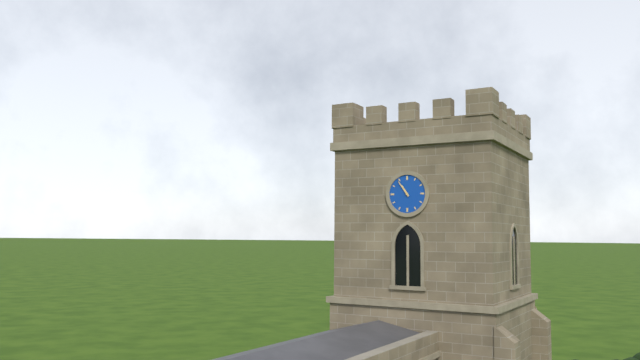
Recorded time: 10.54
